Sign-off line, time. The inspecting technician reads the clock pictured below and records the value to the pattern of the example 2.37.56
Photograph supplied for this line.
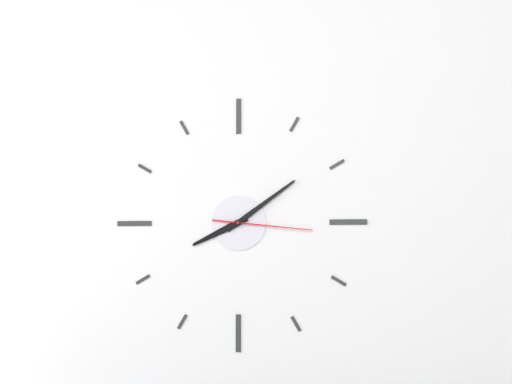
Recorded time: 8.09.16
